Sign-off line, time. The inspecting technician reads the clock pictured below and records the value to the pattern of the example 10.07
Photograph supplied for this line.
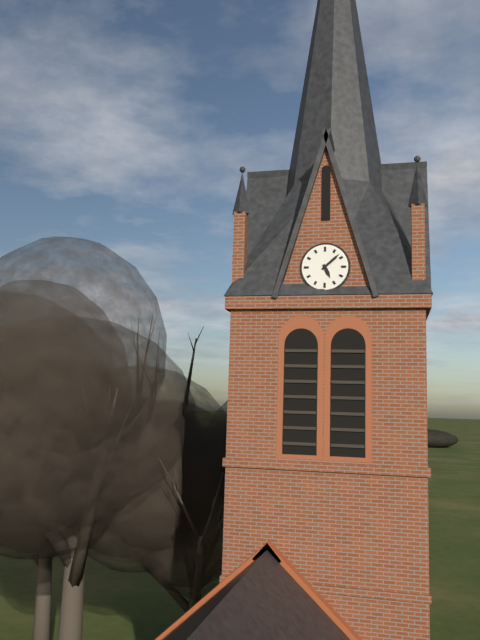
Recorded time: 5.08
